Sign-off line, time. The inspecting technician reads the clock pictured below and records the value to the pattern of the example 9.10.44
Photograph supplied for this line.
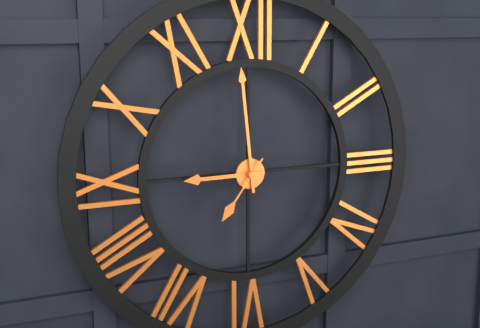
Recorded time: 8.59.36
